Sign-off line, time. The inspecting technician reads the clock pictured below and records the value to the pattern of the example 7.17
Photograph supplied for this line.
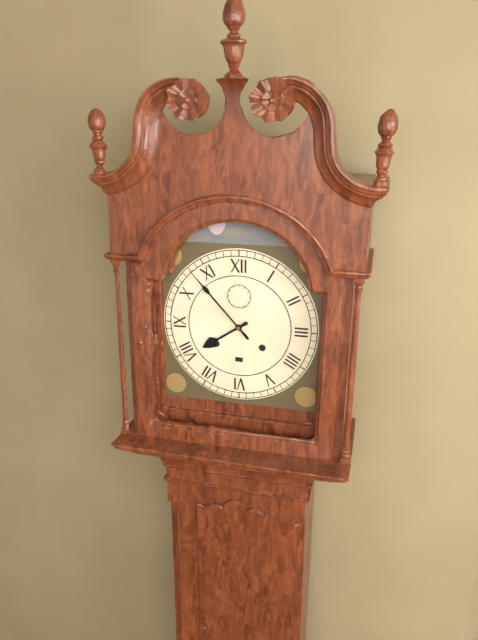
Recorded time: 7.53
